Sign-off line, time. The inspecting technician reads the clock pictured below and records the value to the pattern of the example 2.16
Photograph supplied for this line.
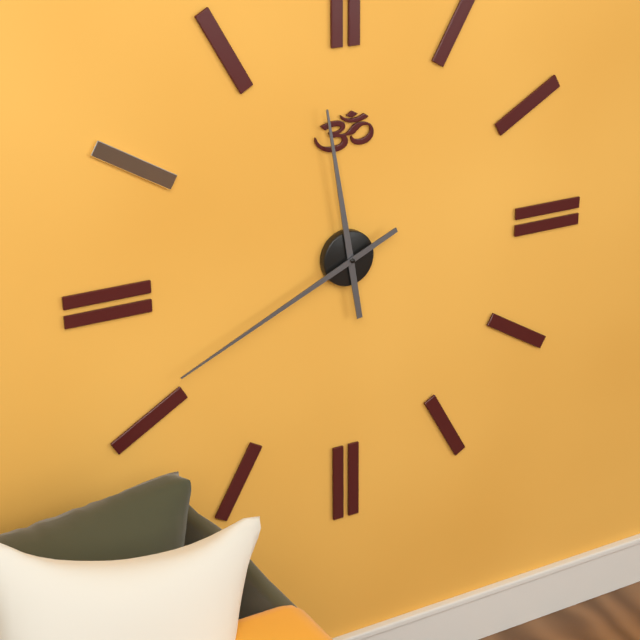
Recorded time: 11.41
